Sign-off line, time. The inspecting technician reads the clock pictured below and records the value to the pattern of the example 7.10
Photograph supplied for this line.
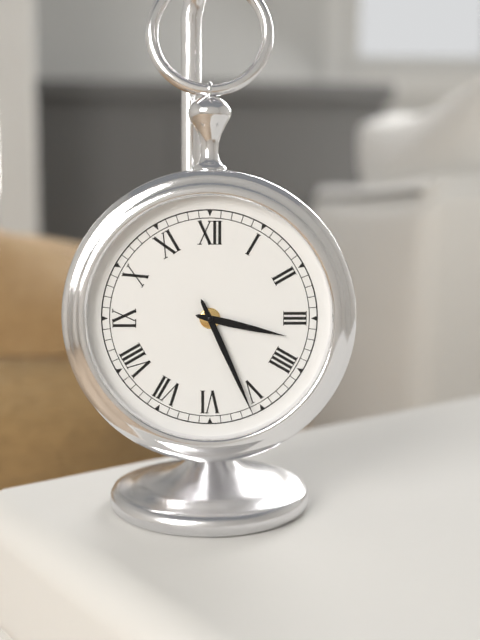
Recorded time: 3.26
